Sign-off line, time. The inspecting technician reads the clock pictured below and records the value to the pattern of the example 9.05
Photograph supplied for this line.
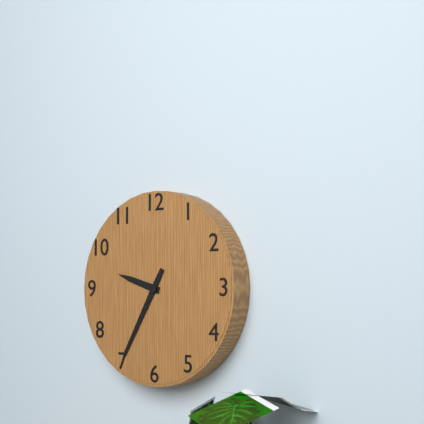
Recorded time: 9.35
